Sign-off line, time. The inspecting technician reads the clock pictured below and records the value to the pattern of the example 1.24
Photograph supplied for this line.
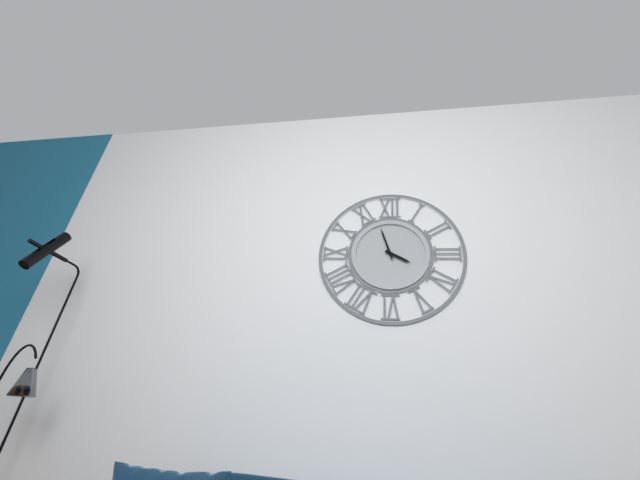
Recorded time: 3.57
